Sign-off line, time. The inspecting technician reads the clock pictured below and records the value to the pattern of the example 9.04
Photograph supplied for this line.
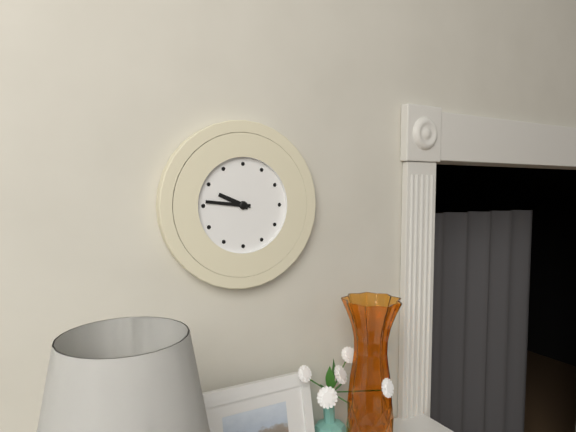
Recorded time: 9.46
